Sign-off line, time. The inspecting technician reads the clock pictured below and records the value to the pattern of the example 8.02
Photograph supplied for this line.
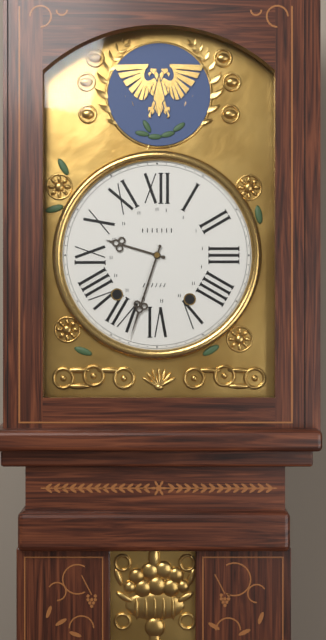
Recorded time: 9.33
